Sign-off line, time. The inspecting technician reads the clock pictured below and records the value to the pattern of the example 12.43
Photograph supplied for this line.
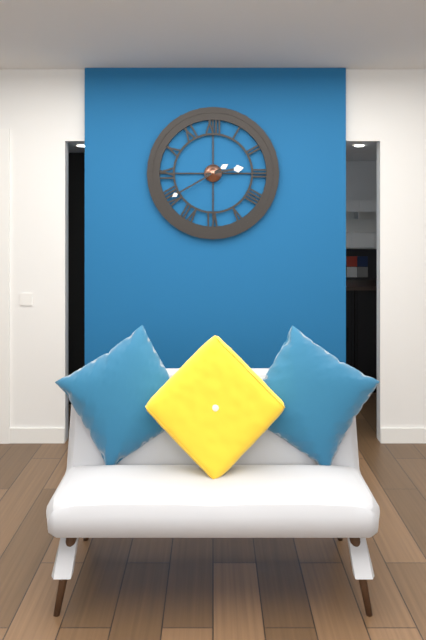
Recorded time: 2.40
